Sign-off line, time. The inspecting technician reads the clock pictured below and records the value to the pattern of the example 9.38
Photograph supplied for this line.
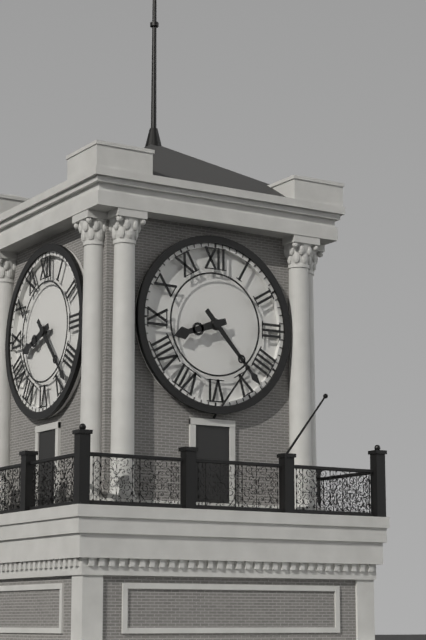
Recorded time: 8.23
